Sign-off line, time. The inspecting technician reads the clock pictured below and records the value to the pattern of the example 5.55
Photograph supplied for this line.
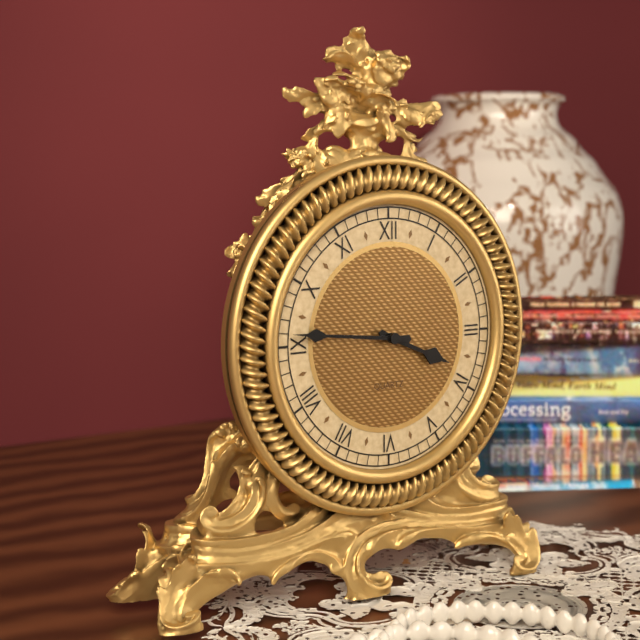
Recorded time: 3.46
